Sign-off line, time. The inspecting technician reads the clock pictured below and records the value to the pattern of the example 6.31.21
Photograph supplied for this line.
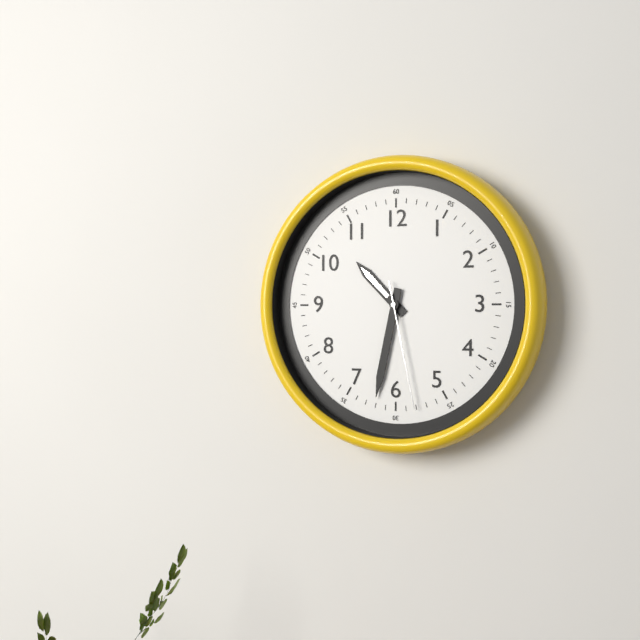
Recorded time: 10.32.28
